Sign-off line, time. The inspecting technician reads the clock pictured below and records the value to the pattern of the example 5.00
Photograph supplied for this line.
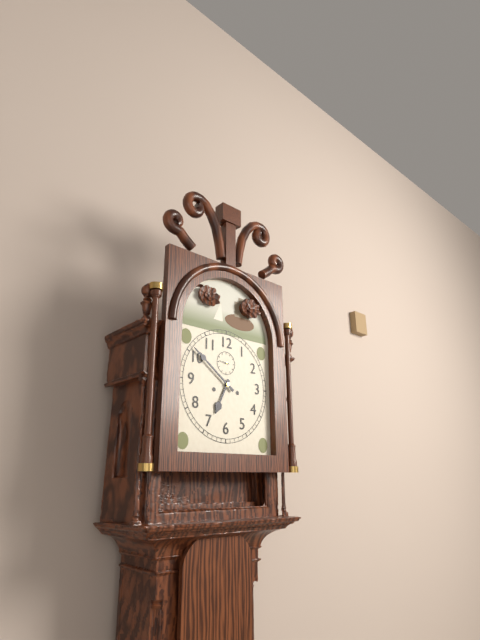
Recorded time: 6.51
